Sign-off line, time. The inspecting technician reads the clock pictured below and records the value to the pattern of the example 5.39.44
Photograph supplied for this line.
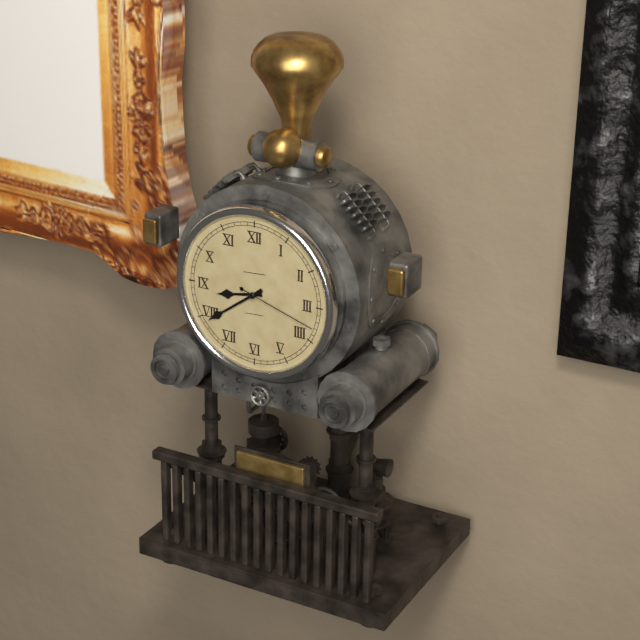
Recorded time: 8.39.18
